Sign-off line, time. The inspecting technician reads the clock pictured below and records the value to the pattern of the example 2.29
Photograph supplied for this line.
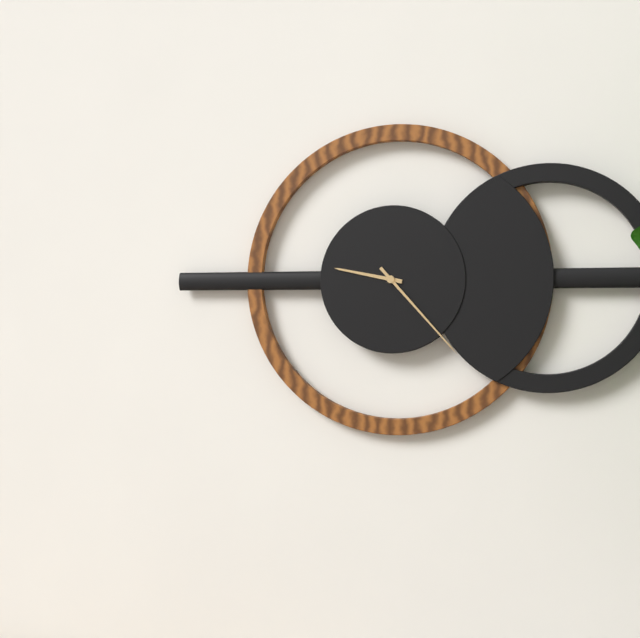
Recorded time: 9.23
